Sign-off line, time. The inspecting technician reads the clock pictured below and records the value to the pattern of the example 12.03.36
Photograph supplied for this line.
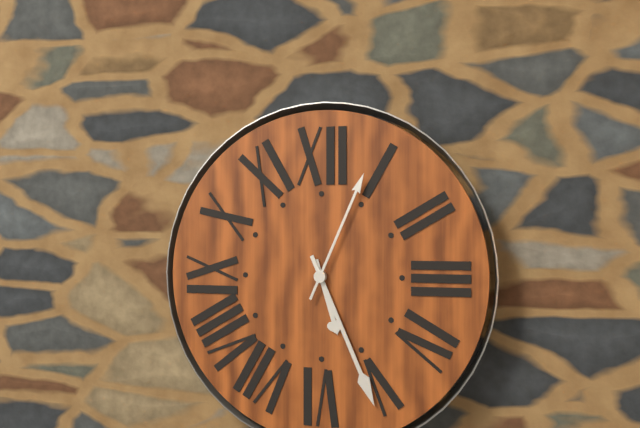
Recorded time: 5.26.04
